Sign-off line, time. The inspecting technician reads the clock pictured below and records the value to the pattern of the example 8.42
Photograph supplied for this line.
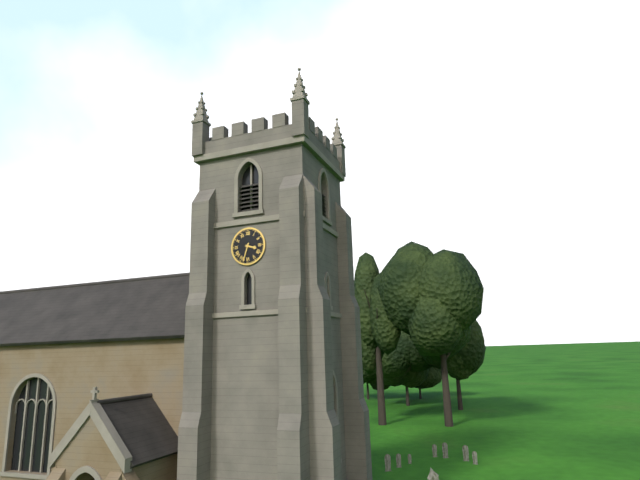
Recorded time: 3.33
